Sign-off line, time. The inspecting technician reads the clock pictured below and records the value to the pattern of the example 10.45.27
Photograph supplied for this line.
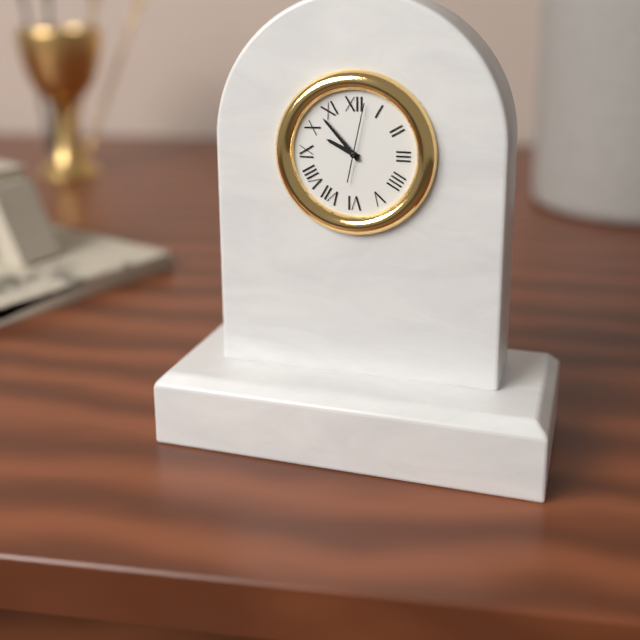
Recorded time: 9.53.02
